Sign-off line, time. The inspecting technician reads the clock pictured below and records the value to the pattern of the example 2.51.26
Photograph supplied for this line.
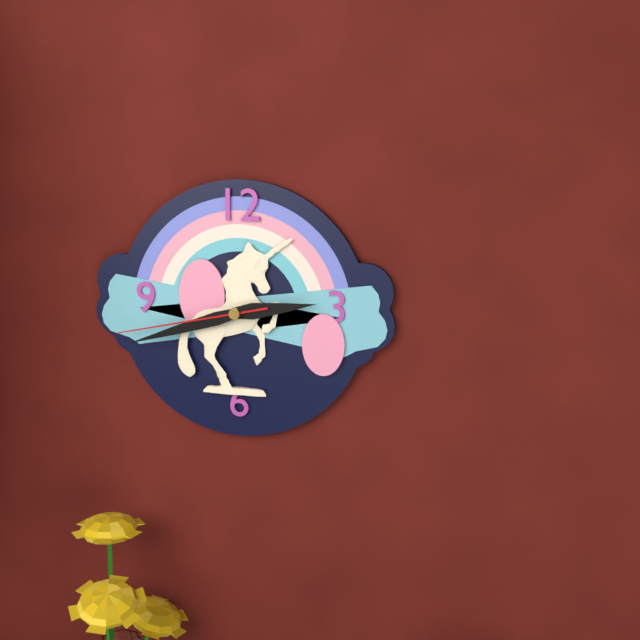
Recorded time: 2.42.43
